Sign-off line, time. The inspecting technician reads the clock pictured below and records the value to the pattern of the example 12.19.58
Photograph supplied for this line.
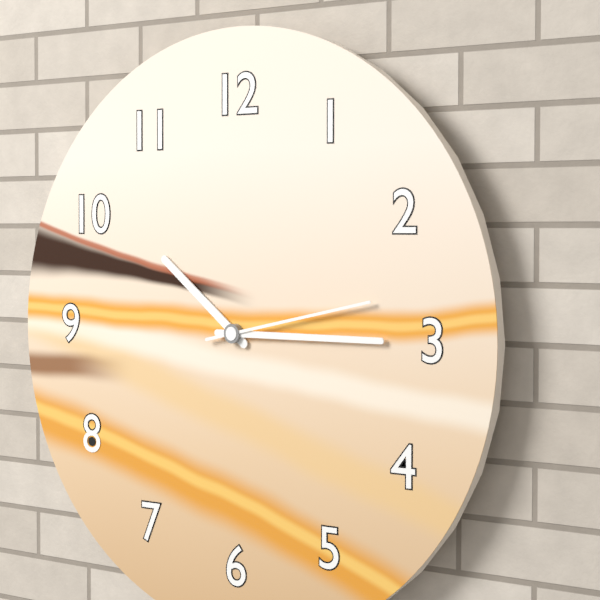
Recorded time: 10.15.13
